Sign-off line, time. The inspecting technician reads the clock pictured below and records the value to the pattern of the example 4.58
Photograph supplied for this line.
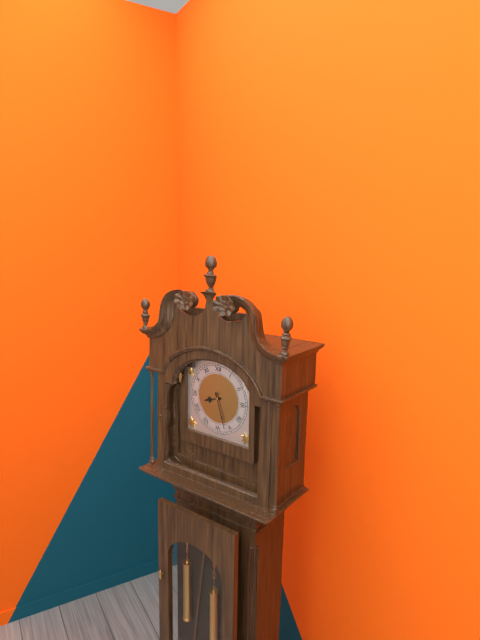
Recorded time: 8.27
